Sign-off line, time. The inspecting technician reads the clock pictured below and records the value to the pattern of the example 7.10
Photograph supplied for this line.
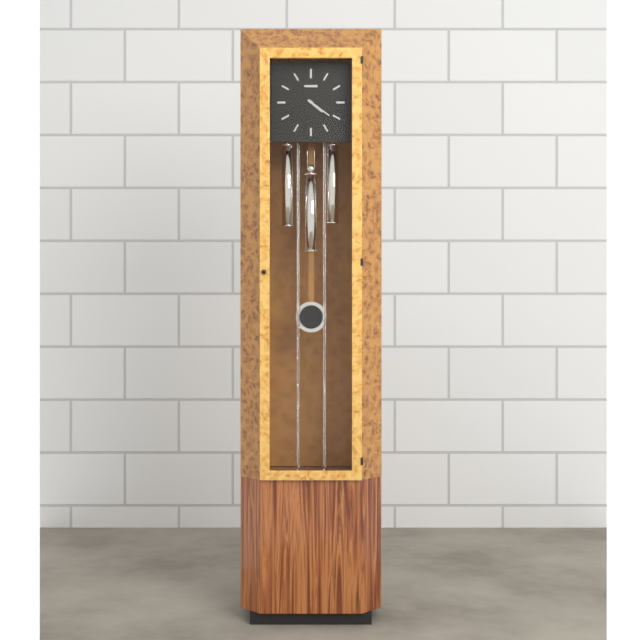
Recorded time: 4.21
